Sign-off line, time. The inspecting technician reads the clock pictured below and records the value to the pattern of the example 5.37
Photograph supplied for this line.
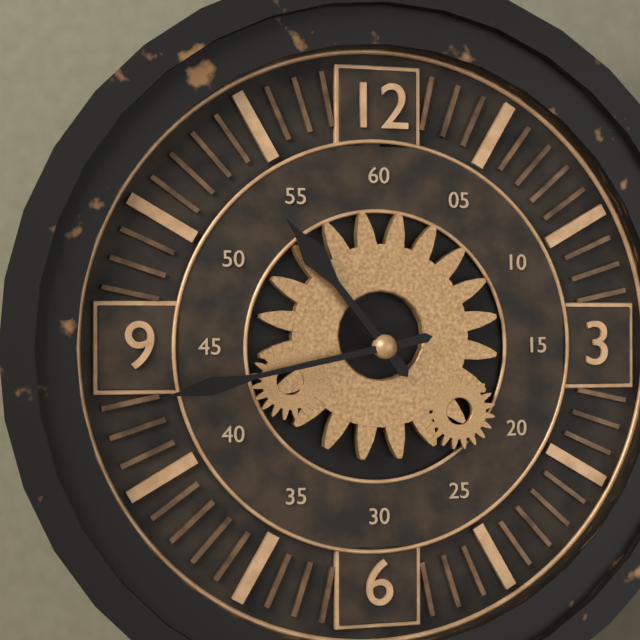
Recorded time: 10.43
